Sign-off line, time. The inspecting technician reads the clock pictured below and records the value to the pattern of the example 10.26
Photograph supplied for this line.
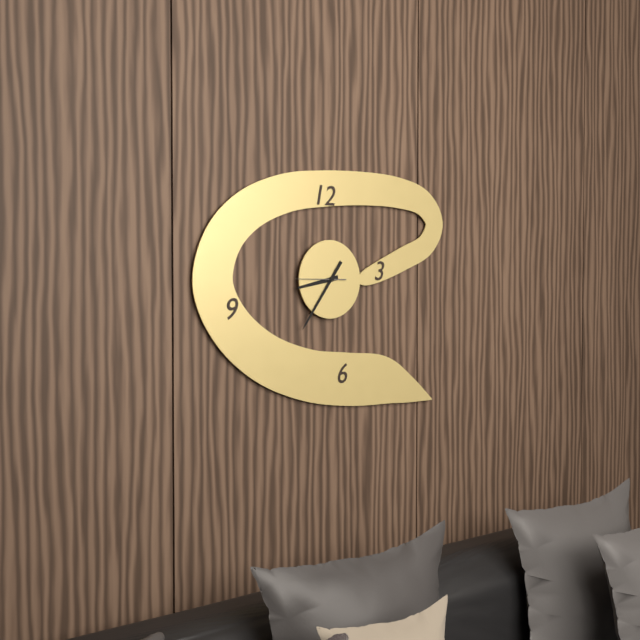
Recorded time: 8.36
